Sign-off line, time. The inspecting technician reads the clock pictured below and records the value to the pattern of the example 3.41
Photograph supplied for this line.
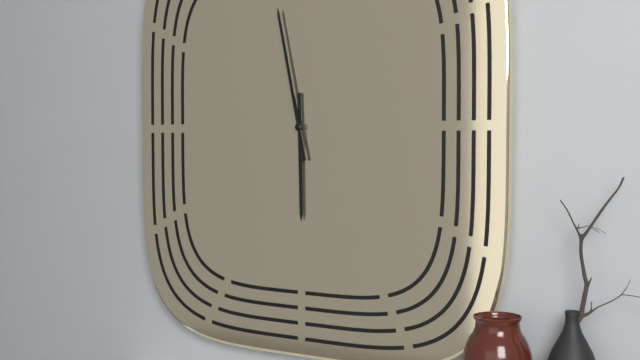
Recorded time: 5.58
